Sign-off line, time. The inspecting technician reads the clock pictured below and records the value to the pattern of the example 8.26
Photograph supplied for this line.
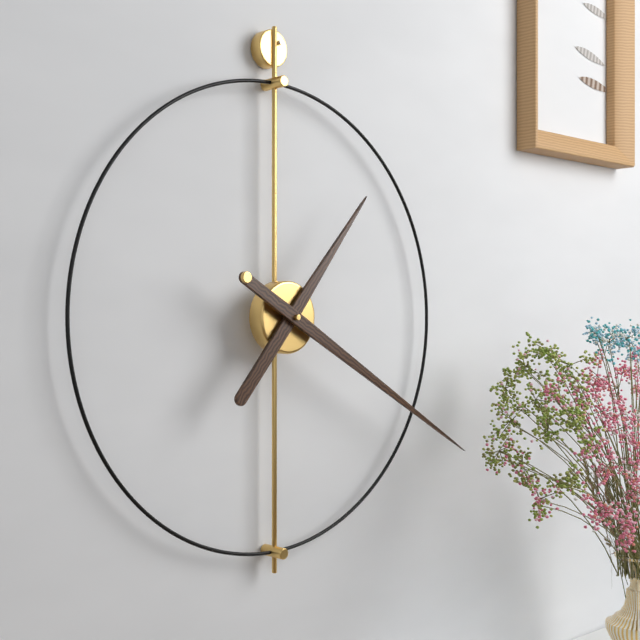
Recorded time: 1.20
